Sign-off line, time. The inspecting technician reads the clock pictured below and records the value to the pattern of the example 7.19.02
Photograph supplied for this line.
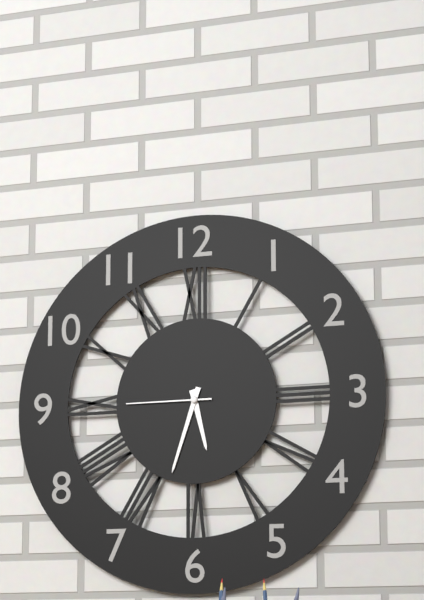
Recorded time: 5.33.45
